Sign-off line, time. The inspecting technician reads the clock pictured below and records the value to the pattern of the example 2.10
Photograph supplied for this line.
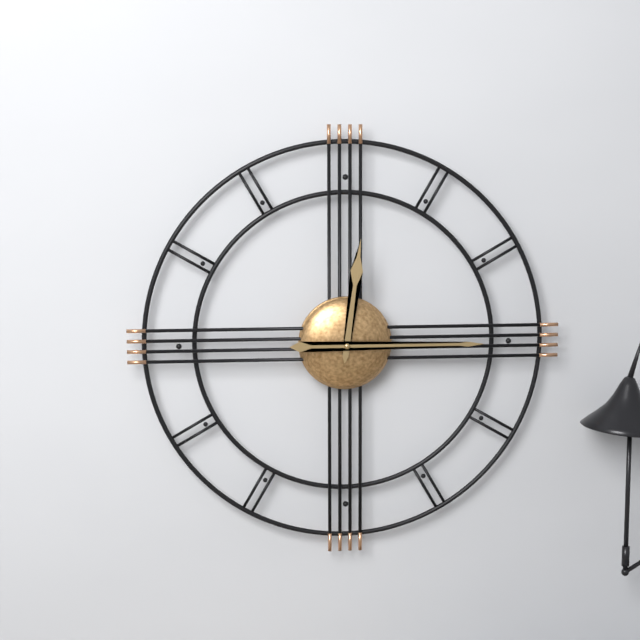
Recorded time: 12.15
